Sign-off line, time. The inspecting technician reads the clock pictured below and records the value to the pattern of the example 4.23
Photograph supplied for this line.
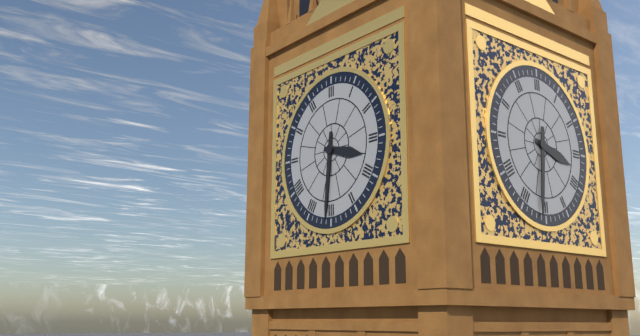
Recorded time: 3.31
